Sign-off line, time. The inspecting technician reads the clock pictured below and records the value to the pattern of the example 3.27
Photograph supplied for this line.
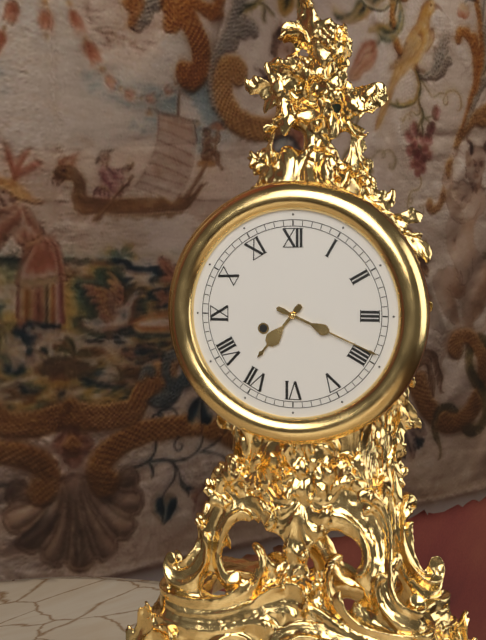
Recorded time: 7.19
